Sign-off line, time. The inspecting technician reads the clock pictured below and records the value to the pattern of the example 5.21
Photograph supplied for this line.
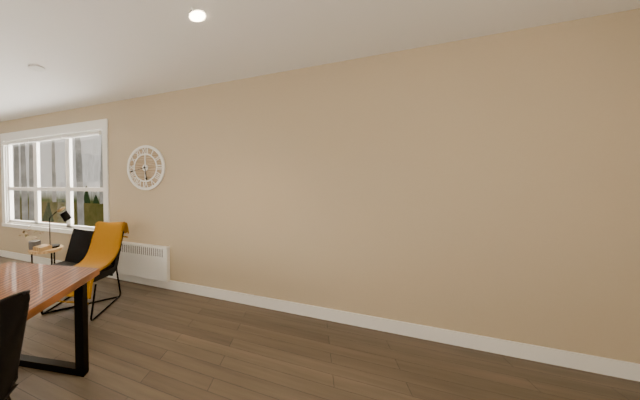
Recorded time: 5.43
